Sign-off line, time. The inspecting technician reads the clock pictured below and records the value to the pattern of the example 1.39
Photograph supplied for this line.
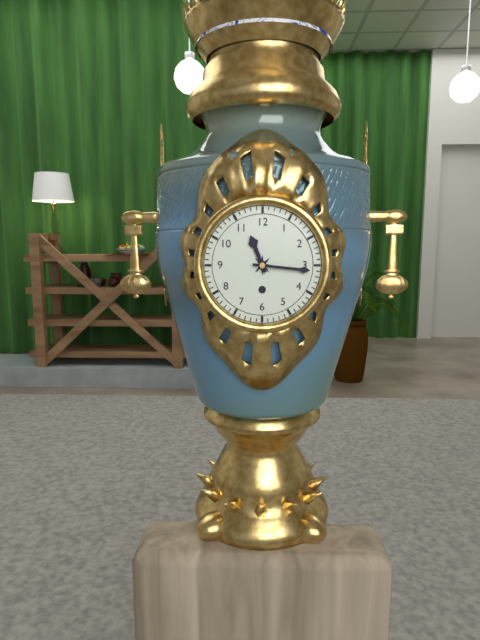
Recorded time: 11.16
